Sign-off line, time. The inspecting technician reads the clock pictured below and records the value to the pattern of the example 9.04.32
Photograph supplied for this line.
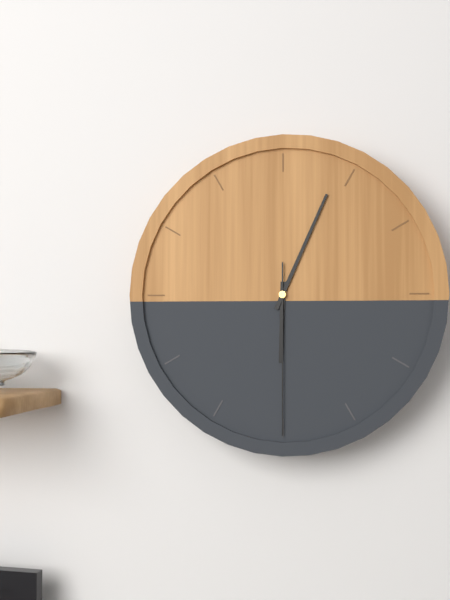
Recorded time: 6.04.30
